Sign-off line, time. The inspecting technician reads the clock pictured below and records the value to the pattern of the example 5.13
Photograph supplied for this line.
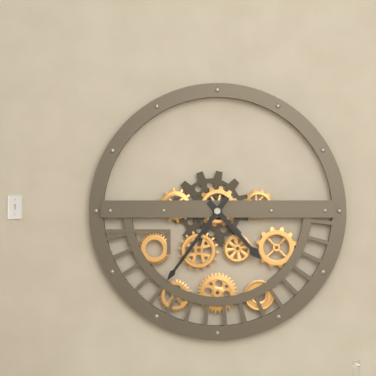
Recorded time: 4.36
